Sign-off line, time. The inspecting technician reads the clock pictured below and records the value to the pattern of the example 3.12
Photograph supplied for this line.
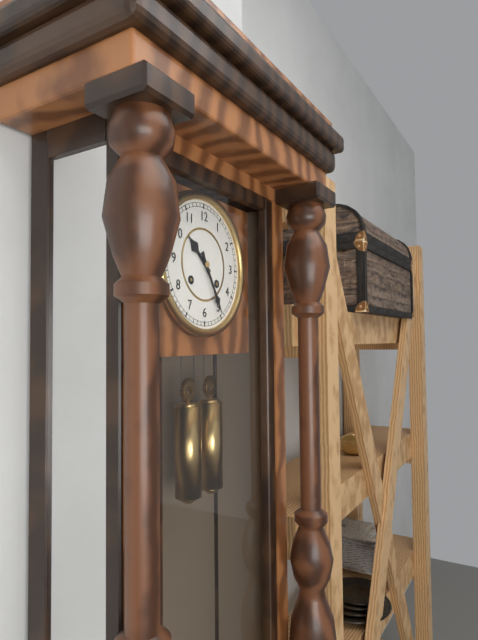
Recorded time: 10.25
